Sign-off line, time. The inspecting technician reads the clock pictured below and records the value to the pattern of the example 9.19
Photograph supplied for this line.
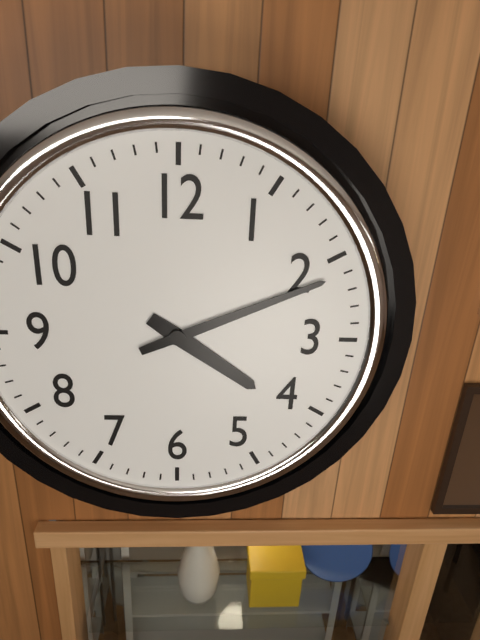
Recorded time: 4.11
